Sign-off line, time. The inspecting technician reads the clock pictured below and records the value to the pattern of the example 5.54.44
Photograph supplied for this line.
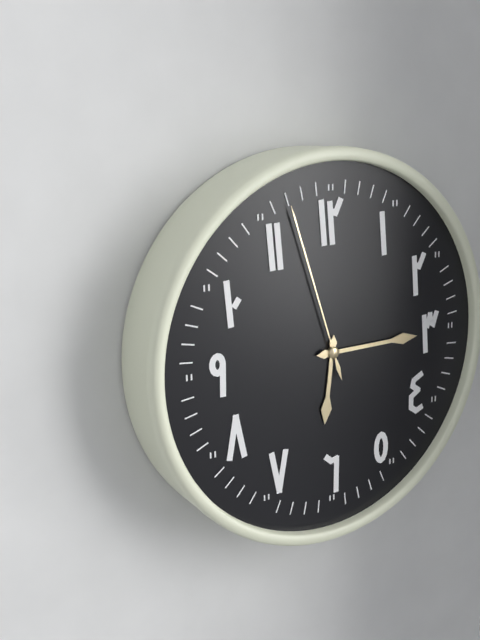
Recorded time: 6.15.57
